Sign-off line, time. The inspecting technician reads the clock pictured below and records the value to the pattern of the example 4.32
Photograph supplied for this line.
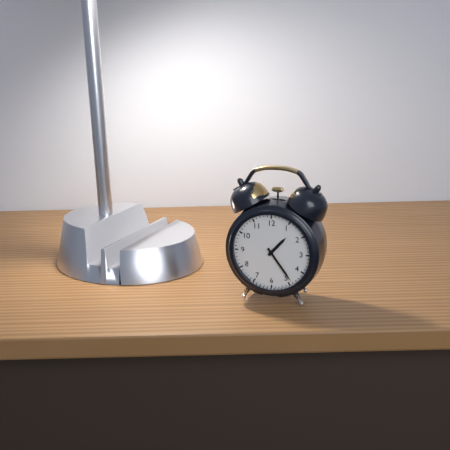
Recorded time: 1.24
